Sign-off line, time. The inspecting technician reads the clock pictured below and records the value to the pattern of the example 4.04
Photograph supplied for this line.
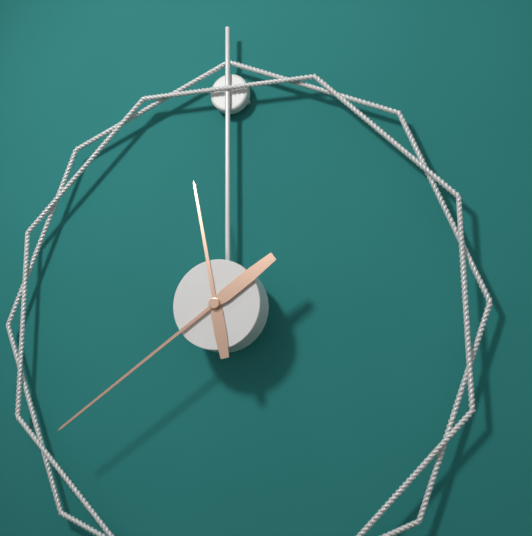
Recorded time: 11.39
